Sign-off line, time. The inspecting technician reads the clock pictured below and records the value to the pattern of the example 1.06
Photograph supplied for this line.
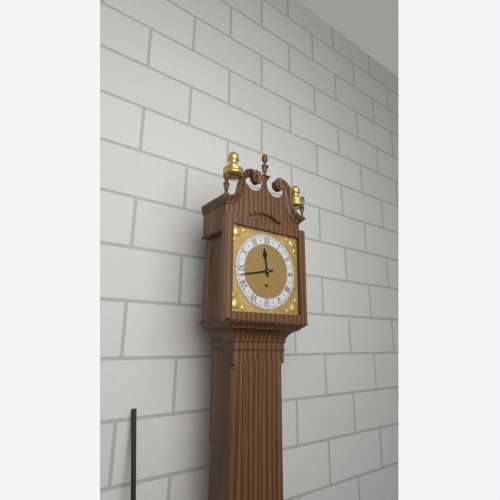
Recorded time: 11.43
